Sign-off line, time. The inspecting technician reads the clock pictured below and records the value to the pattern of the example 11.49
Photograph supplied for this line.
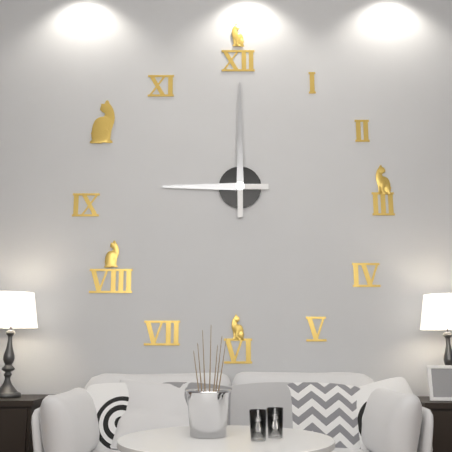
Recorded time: 9.00
